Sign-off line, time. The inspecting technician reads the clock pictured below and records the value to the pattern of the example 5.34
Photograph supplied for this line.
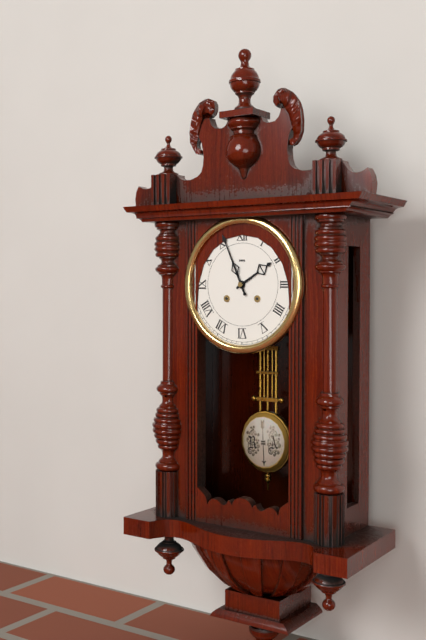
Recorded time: 1.56
